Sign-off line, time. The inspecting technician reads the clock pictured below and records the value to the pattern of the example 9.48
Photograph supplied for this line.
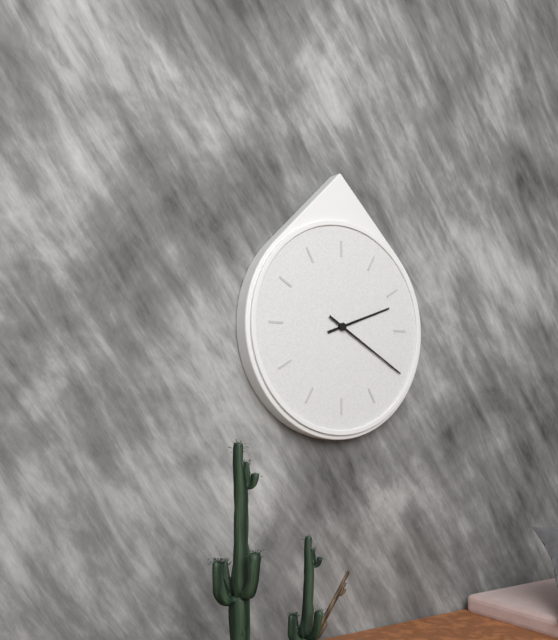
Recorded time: 2.20
